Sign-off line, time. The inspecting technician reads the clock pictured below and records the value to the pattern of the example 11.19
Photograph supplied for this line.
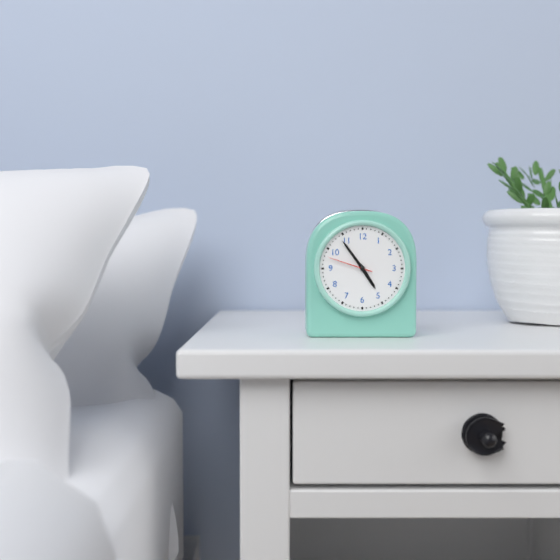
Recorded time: 4.54
